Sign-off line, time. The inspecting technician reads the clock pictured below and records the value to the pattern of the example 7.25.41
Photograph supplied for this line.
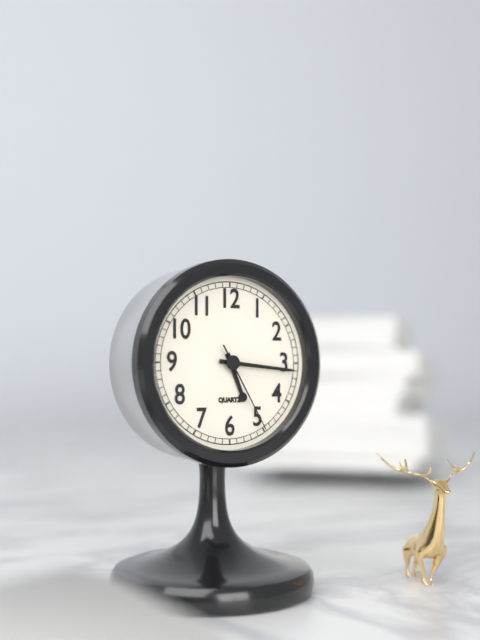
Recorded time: 5.16.25
